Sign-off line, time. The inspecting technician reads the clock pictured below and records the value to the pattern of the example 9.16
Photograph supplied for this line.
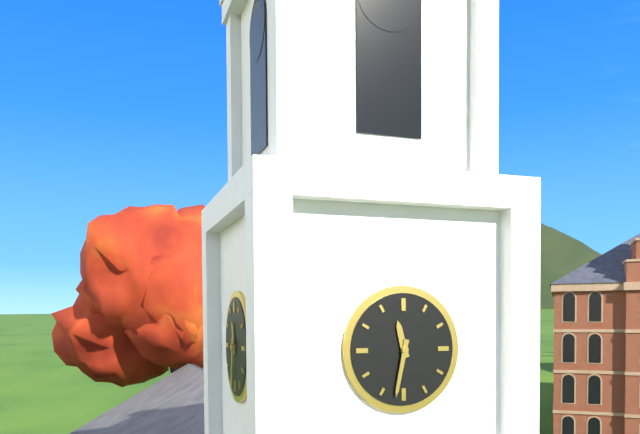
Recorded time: 11.32
